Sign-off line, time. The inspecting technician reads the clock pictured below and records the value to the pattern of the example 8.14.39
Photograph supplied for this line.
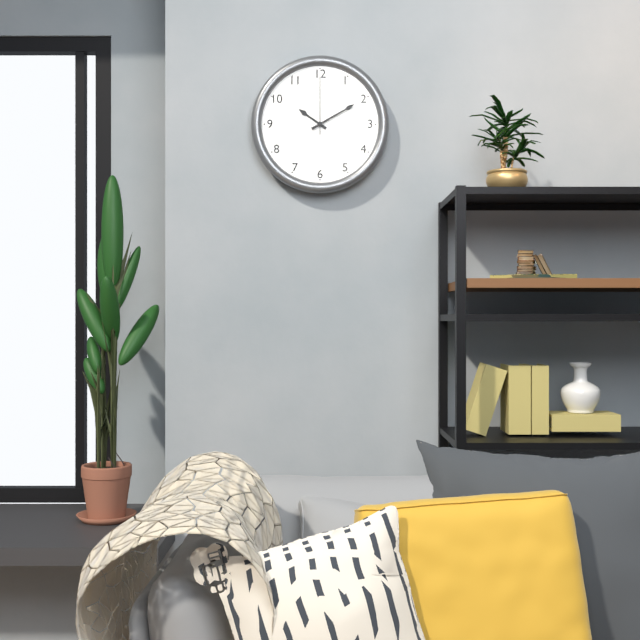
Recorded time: 10.10.00
